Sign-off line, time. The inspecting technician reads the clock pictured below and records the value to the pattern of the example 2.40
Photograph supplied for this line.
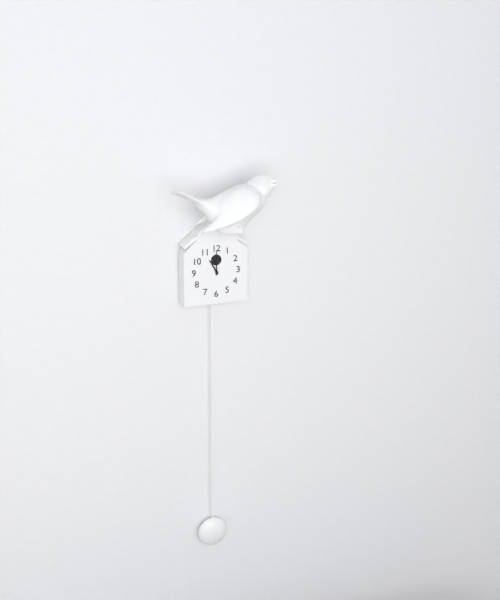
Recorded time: 11.00
